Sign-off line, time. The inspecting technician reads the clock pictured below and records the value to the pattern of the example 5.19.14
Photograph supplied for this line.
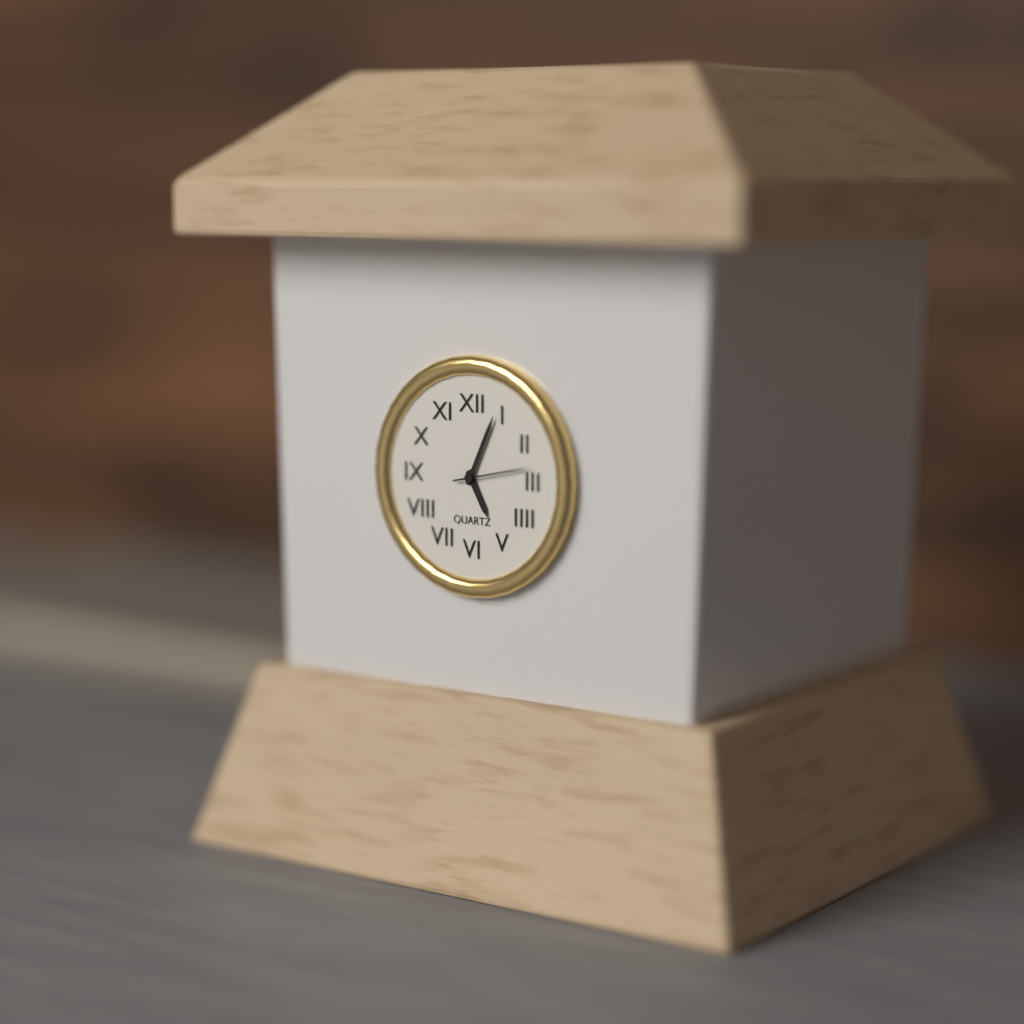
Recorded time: 5.04.13
